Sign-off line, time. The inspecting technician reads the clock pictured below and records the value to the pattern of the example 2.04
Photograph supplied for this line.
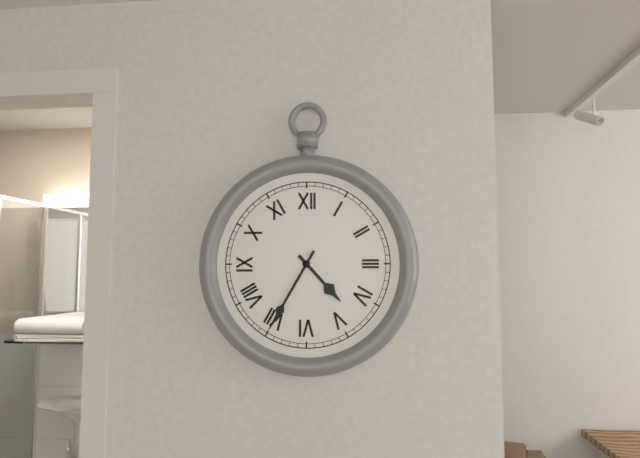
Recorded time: 4.35
